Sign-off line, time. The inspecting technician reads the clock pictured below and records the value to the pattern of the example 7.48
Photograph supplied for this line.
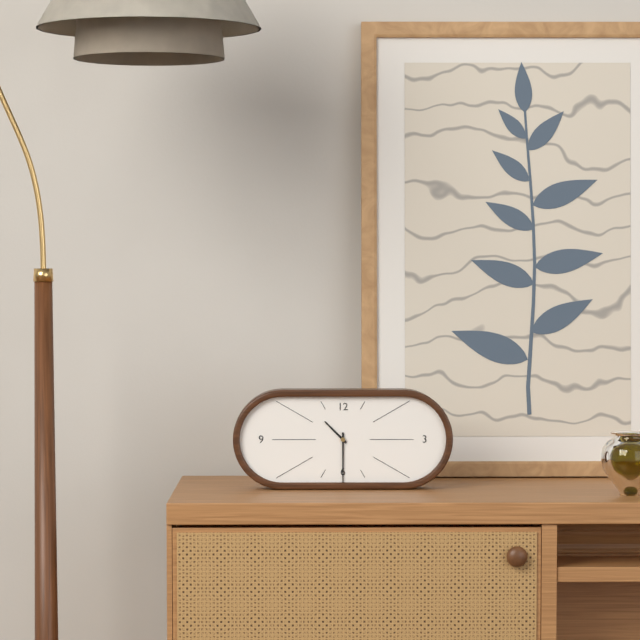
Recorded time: 10.30
